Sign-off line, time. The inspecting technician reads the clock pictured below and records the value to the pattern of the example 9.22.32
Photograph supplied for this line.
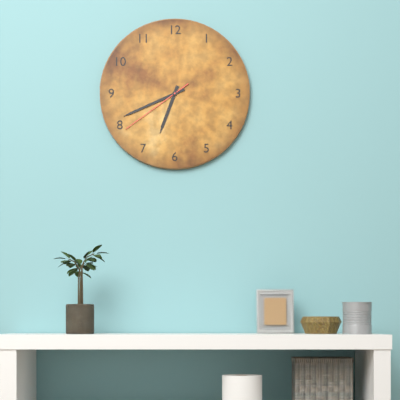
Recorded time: 6.41.39
